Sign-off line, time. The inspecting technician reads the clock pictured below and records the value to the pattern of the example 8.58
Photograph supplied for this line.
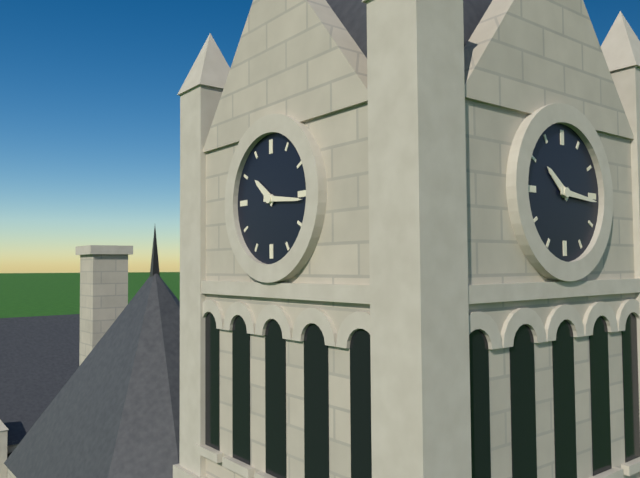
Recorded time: 10.16
